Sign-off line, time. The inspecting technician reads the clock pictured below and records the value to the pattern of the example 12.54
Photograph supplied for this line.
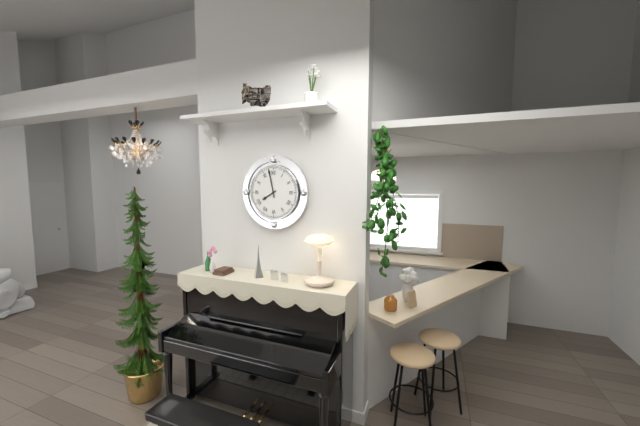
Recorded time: 7.58
